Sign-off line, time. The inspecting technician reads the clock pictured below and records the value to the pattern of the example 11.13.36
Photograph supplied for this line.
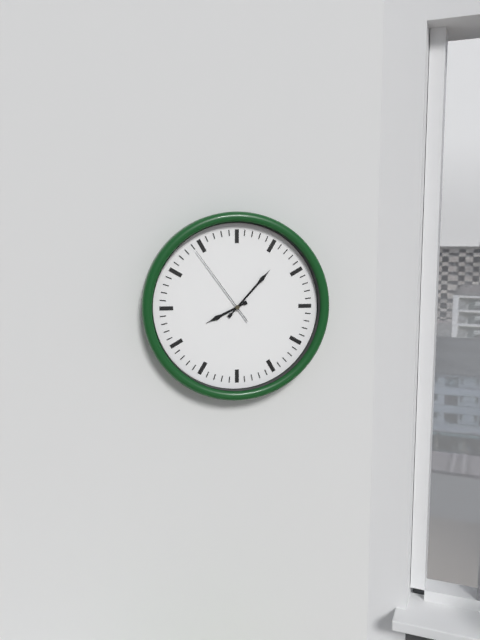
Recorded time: 8.07.54
